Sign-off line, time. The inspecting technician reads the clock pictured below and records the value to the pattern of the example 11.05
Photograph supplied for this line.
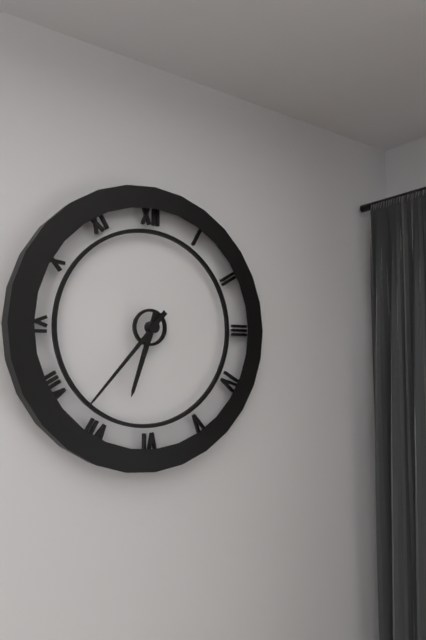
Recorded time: 6.37
